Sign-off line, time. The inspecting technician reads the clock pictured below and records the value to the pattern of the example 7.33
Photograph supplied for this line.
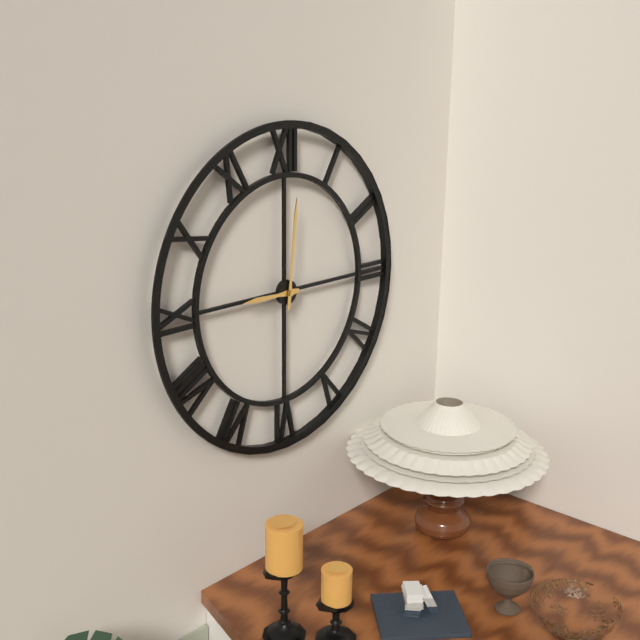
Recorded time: 9.01
